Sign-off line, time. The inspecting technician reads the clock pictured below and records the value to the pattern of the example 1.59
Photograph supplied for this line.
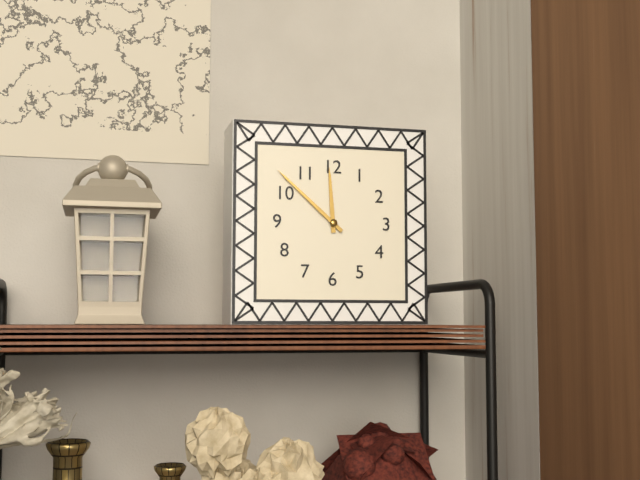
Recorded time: 11.52
